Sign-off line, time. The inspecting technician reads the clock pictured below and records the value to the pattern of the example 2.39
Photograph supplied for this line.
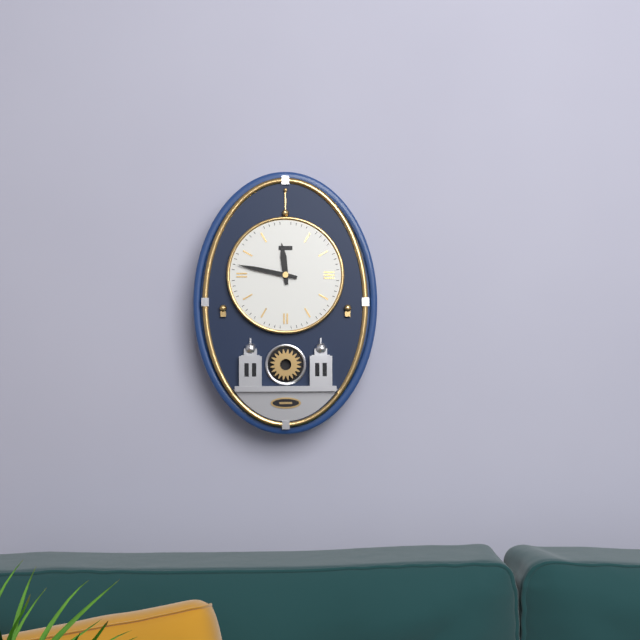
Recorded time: 11.47
